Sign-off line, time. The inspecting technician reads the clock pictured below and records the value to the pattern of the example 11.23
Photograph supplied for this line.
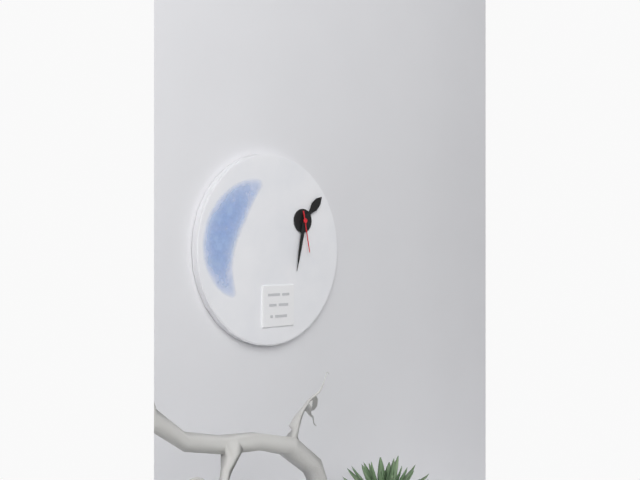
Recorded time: 1.32
